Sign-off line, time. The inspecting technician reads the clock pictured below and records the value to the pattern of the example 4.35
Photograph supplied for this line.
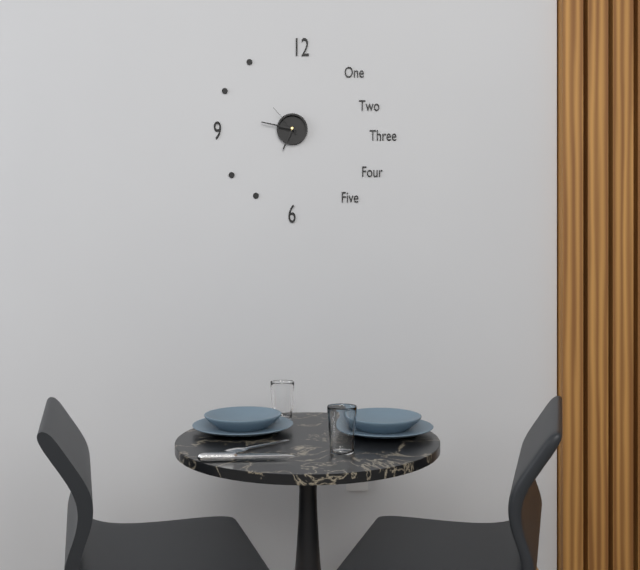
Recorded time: 6.47
